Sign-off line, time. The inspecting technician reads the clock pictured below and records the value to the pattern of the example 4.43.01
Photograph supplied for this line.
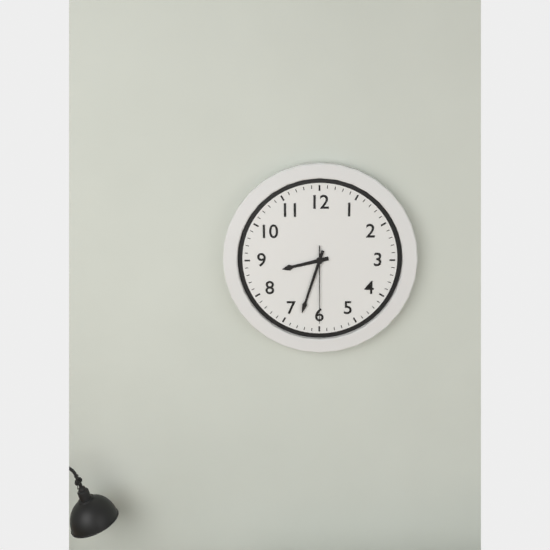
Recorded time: 8.33.30
